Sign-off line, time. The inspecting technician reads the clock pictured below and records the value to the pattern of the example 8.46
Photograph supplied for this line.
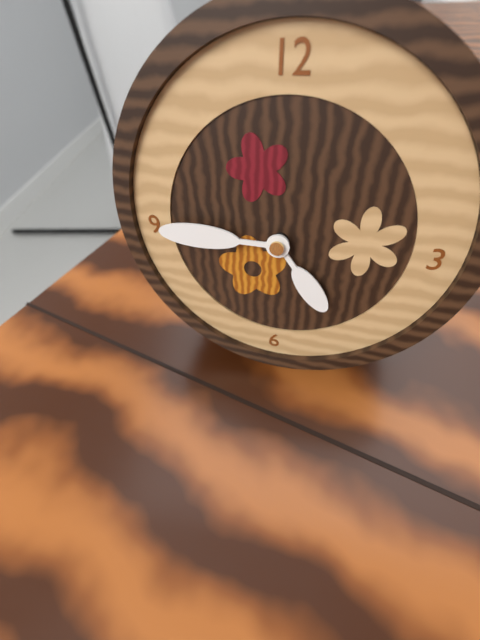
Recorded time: 4.45
